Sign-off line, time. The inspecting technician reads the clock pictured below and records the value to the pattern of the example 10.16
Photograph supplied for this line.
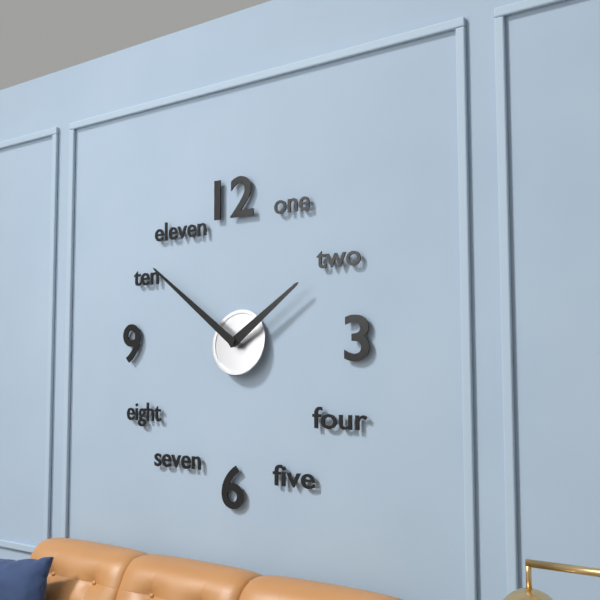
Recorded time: 1.51
